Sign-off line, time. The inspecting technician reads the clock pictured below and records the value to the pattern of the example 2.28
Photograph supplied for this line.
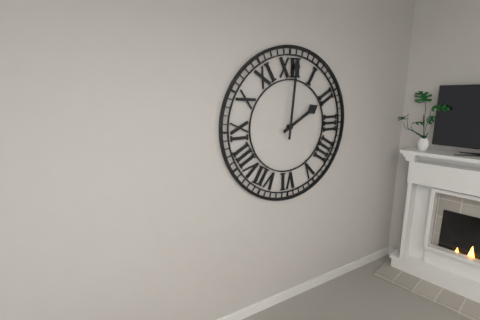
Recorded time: 2.01
